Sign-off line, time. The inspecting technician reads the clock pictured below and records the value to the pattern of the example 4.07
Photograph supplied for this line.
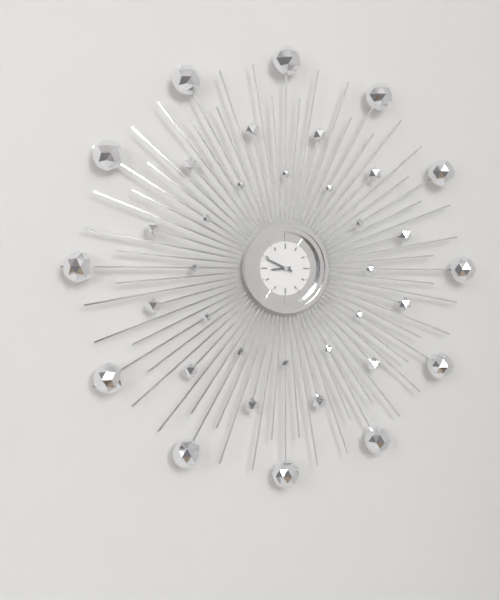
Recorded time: 8.49
